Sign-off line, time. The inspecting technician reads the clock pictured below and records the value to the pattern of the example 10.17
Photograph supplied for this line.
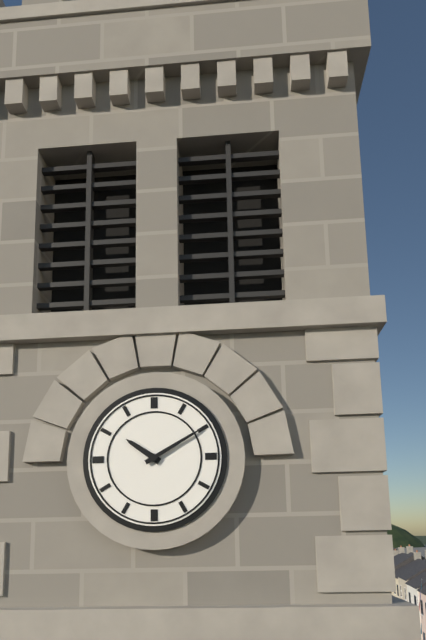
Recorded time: 10.10
